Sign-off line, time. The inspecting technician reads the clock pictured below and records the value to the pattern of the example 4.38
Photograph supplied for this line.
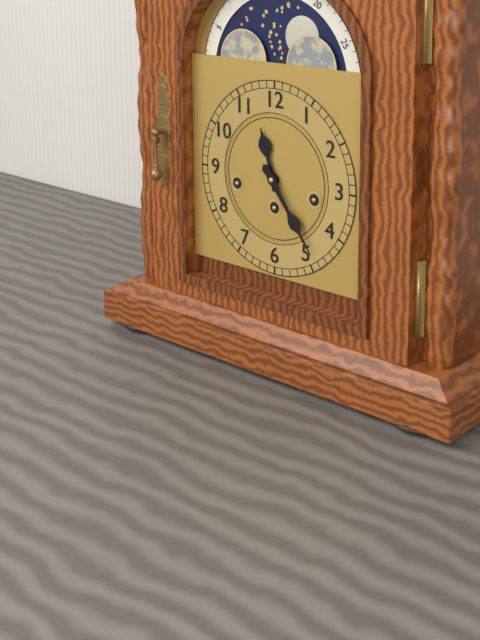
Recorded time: 11.24
